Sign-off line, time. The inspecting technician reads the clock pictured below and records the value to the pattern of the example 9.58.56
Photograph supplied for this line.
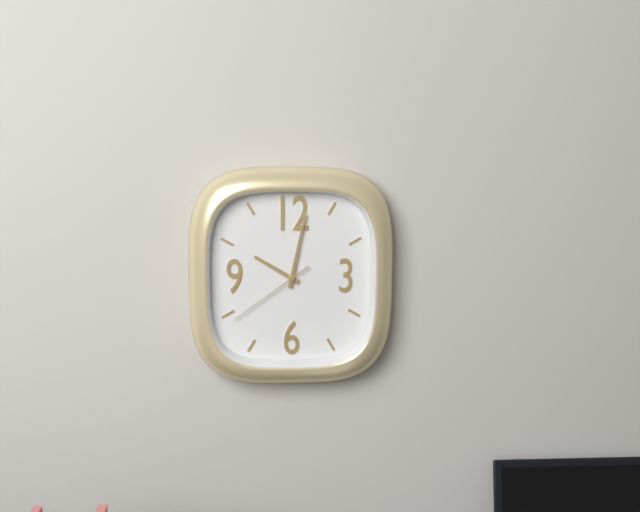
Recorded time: 10.02.39
